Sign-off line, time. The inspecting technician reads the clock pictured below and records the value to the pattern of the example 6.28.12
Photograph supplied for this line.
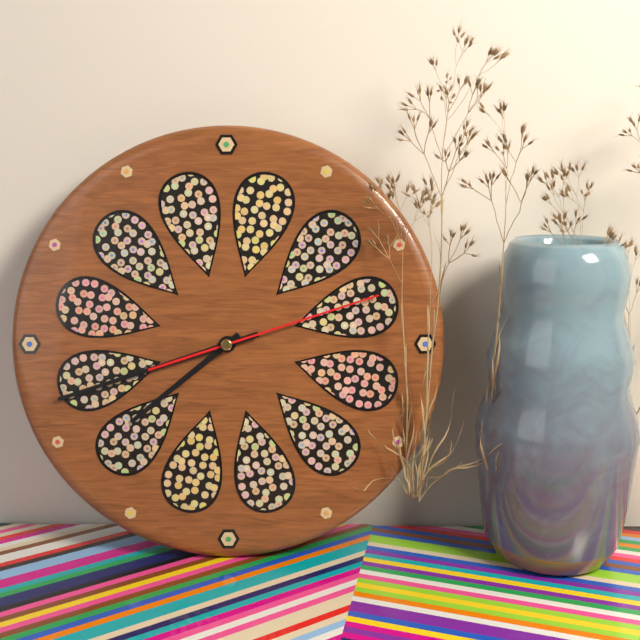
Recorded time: 7.42.12
